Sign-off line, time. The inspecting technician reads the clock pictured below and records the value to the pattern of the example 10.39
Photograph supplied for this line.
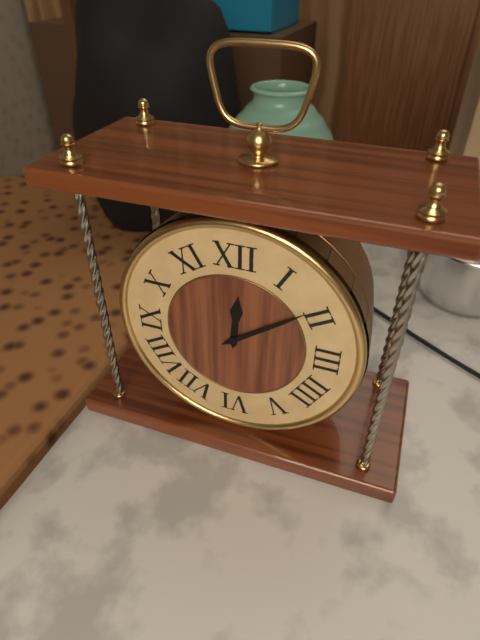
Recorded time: 12.09
